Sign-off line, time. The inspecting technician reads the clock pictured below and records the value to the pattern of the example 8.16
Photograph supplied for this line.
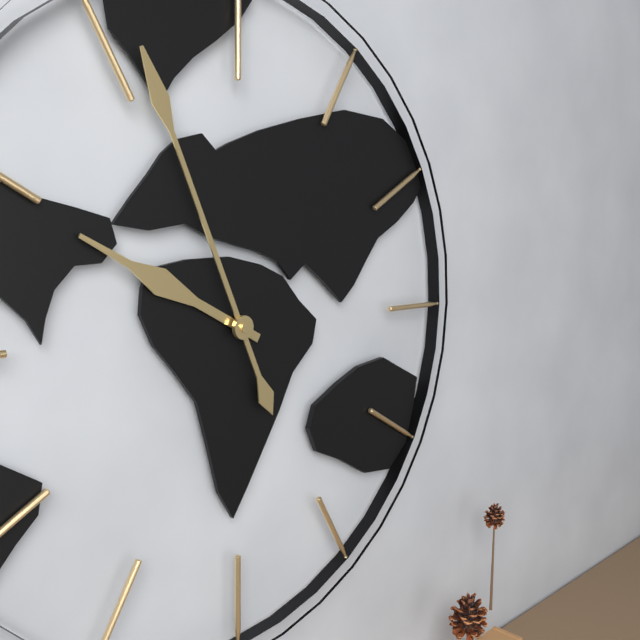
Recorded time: 9.56
